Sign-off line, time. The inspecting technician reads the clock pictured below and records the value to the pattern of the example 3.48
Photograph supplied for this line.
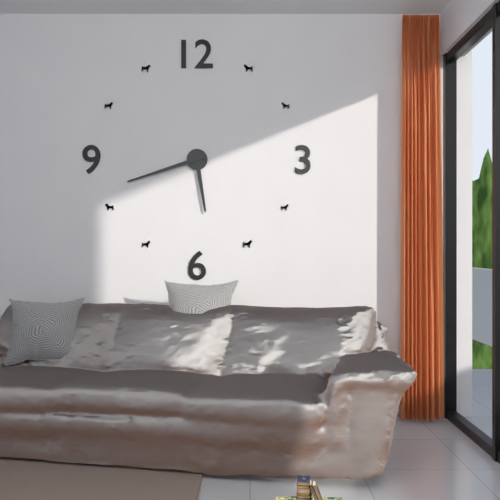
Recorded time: 5.42
